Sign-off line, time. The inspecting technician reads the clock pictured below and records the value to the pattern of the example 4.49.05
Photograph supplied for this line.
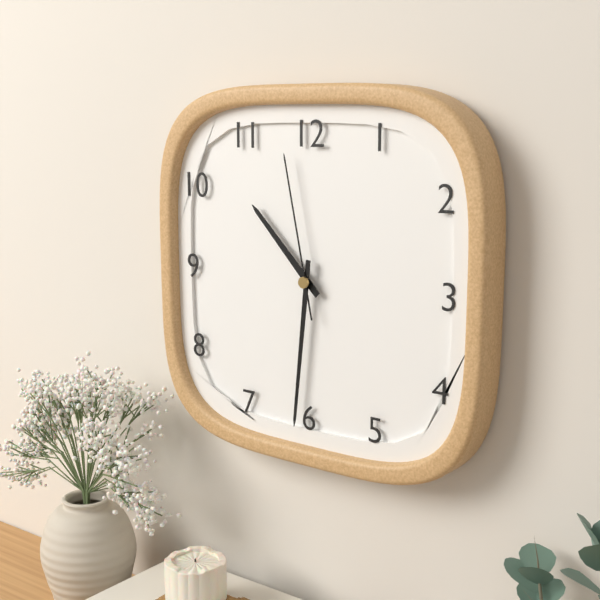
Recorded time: 10.31.58
